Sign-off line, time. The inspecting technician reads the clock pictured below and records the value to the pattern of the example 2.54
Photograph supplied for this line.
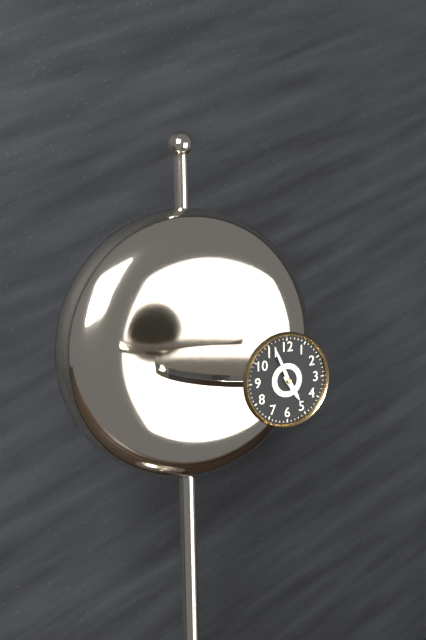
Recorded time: 4.56
